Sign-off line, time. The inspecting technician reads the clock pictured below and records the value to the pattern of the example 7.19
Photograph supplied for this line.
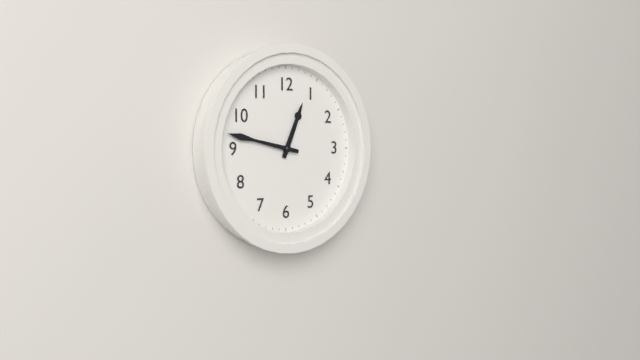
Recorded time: 12.47
